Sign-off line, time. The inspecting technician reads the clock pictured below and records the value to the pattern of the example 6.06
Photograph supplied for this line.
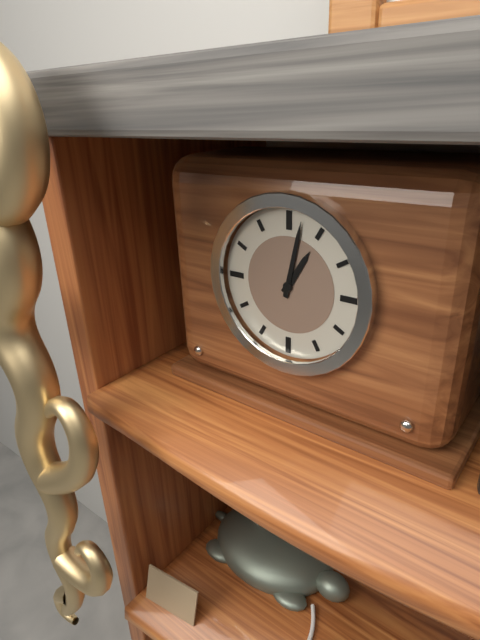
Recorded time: 1.02
